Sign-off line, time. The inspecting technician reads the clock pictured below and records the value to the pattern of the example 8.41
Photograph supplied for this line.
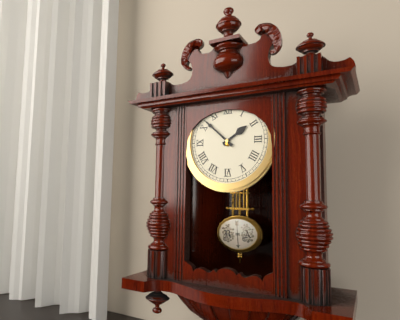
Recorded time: 1.52
